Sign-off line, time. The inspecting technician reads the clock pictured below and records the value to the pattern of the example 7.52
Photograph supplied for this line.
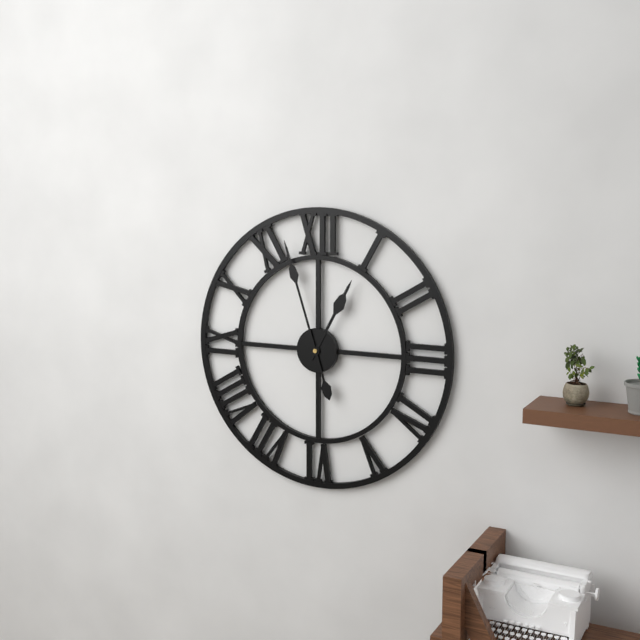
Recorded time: 12.57
